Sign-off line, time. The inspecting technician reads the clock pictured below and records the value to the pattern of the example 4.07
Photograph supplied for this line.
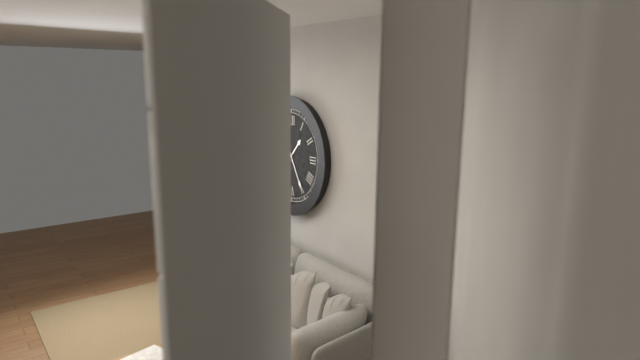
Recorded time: 1.25
